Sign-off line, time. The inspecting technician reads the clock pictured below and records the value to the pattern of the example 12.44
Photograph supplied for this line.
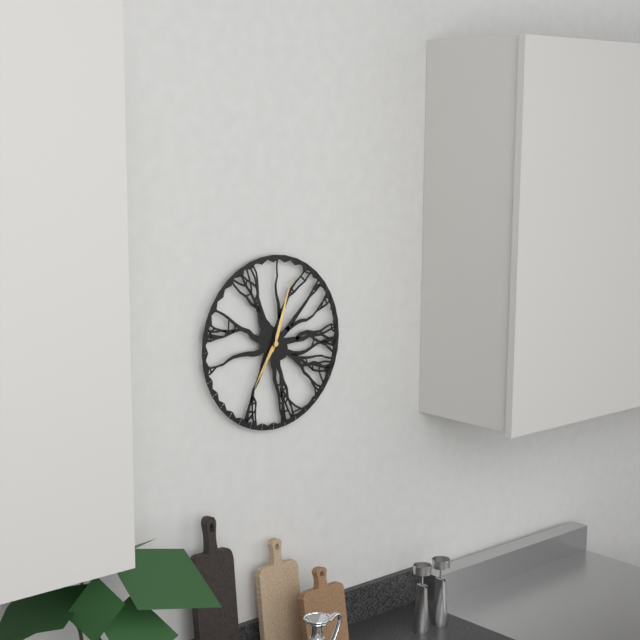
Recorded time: 7.03
